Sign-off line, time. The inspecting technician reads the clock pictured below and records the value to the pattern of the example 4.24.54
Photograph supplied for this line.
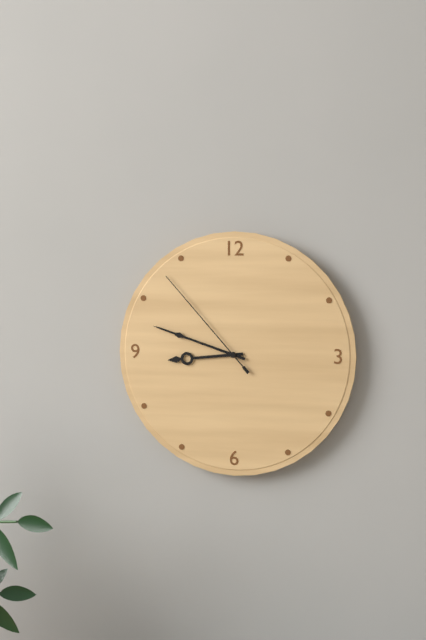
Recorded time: 8.48.53
